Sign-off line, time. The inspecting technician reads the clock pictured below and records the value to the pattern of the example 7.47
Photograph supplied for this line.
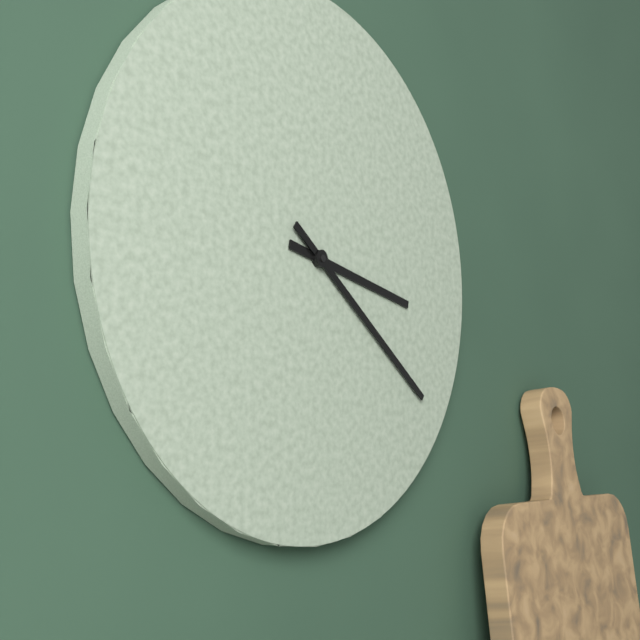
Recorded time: 3.21
